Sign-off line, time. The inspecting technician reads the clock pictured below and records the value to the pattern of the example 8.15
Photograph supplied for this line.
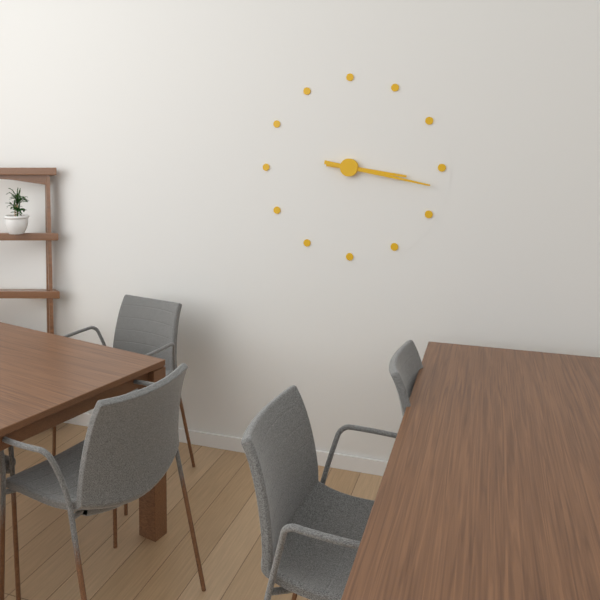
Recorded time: 3.17
